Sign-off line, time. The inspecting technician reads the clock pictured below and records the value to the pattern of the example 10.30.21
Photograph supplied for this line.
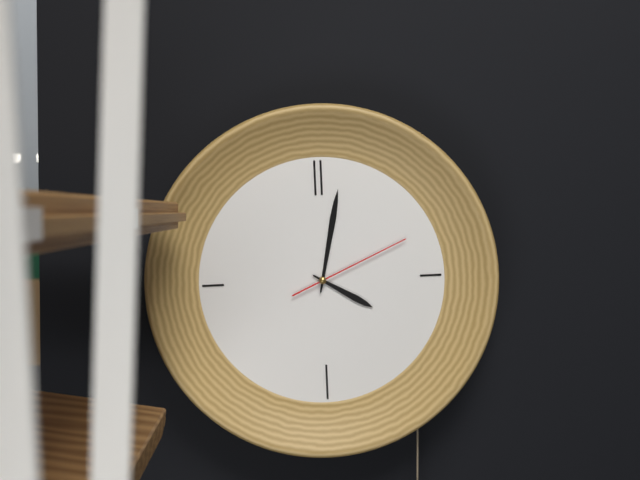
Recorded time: 4.02.11
